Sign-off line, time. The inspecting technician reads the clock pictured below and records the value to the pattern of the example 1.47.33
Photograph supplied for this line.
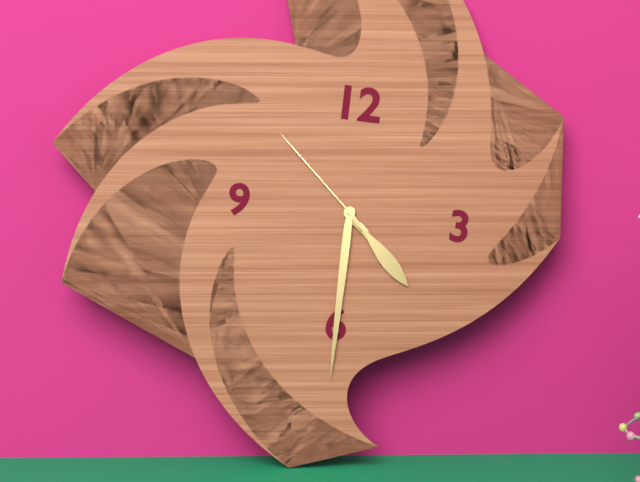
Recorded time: 4.30.52
